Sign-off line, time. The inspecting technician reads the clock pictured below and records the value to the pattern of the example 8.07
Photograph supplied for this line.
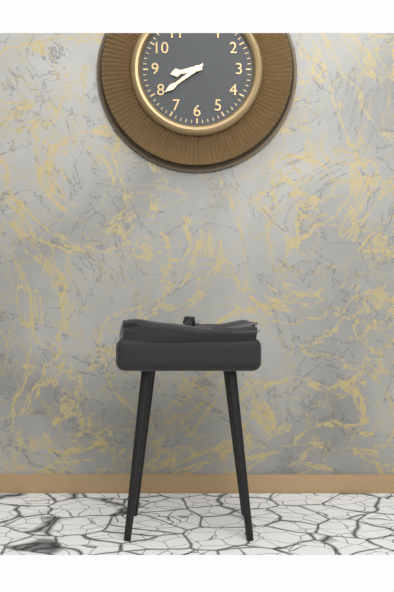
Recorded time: 8.39
